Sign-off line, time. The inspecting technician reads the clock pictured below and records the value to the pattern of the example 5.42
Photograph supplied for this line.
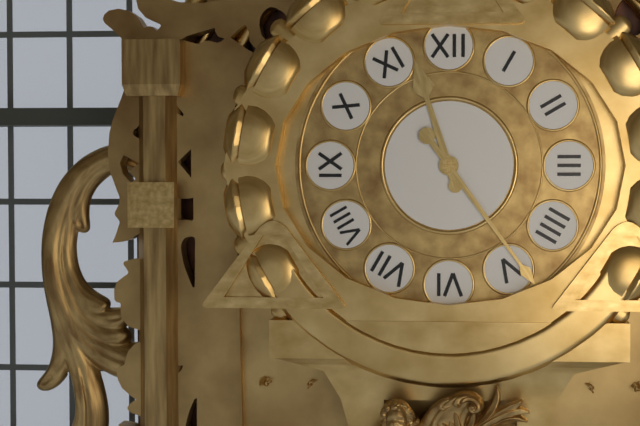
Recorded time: 11.24
